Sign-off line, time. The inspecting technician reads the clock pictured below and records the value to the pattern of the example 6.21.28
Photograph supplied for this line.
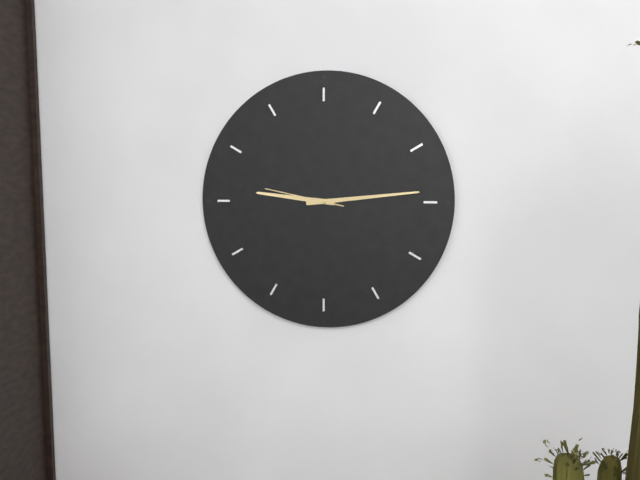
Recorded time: 9.14.47
